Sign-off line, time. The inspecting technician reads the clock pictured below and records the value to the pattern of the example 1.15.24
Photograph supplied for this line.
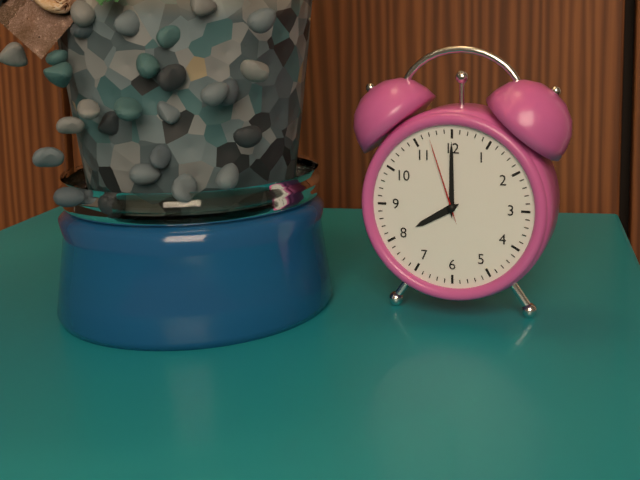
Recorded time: 8.00.57
